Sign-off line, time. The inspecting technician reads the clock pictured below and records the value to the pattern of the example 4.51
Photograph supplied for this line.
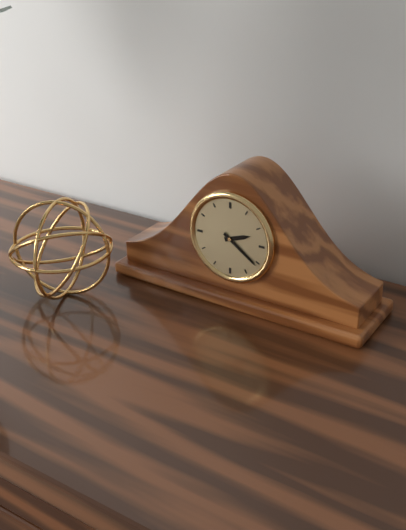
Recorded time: 2.21
